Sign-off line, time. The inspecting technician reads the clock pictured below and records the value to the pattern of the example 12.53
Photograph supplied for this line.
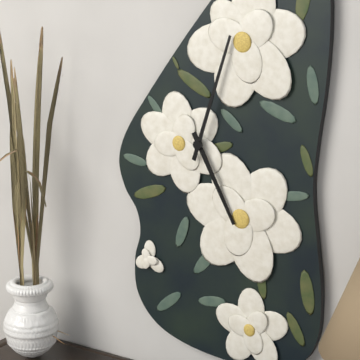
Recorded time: 5.03
